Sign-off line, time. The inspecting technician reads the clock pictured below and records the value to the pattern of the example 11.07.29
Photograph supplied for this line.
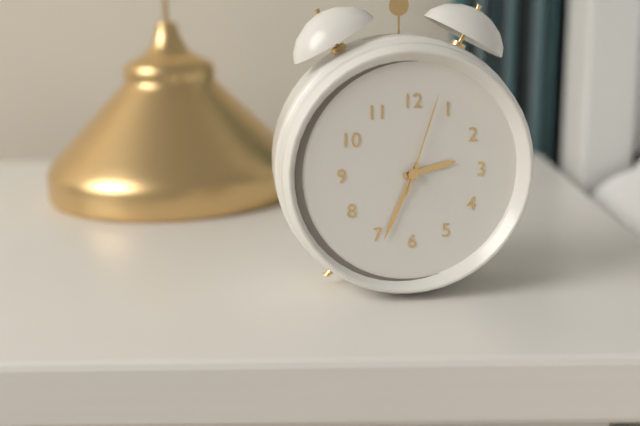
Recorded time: 2.34.03
